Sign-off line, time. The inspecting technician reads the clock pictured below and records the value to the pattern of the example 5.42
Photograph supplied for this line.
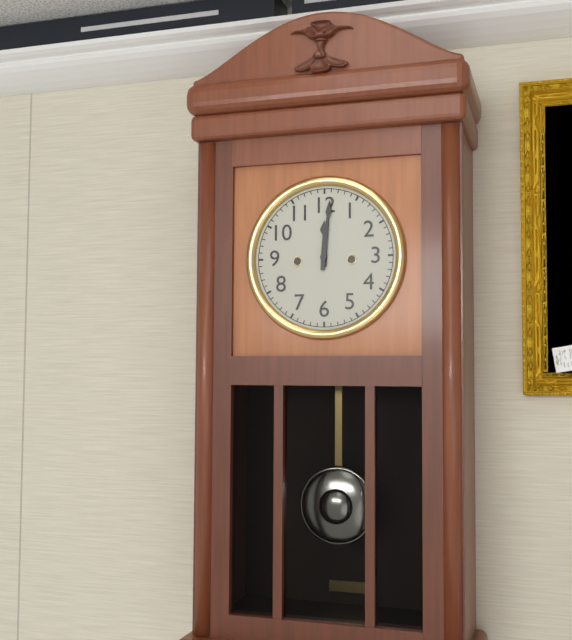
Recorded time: 12.01
